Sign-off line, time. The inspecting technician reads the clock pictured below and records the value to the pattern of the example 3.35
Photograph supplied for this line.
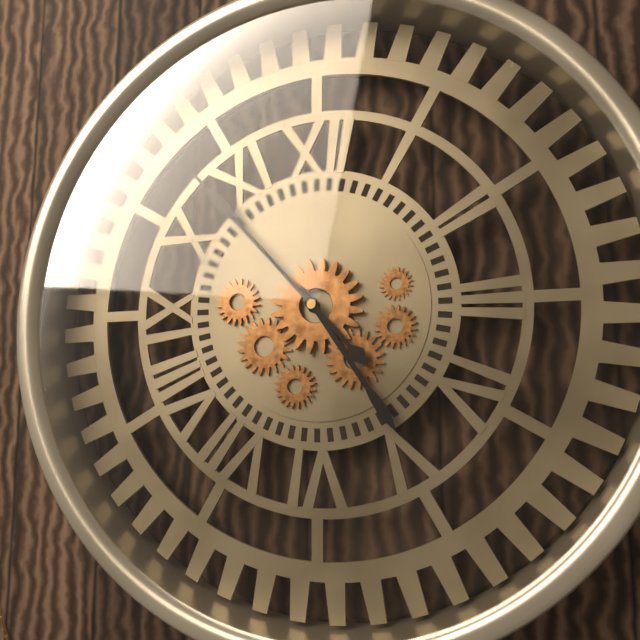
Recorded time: 4.53
